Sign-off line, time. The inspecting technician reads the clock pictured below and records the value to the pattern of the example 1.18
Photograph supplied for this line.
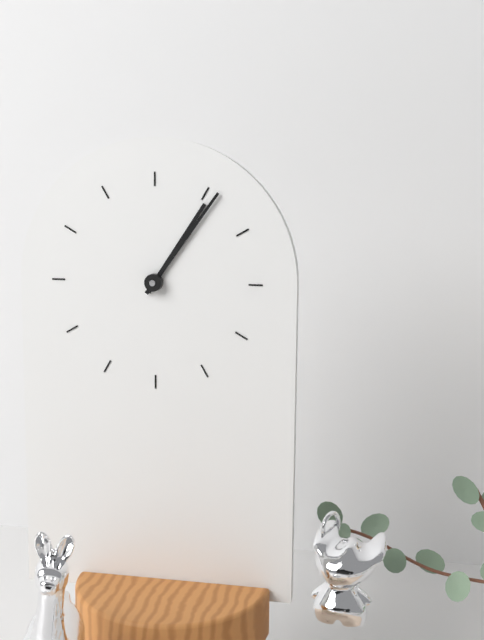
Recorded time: 1.06
